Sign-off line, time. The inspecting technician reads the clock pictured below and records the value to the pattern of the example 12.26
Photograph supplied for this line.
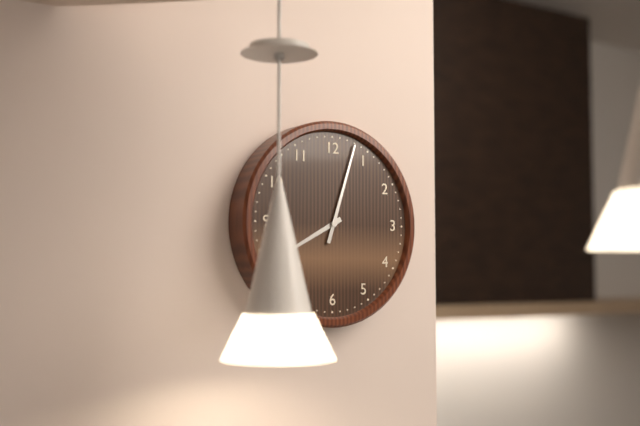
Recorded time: 8.03
